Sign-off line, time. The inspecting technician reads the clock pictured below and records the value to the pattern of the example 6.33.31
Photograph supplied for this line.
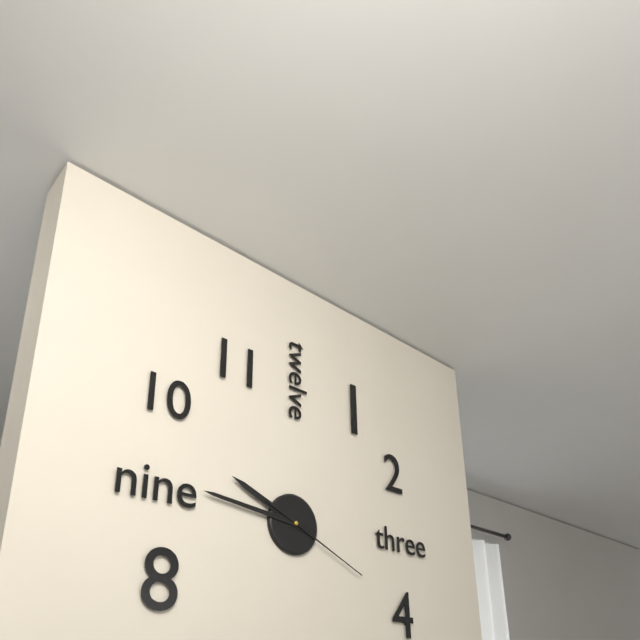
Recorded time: 9.46.19
